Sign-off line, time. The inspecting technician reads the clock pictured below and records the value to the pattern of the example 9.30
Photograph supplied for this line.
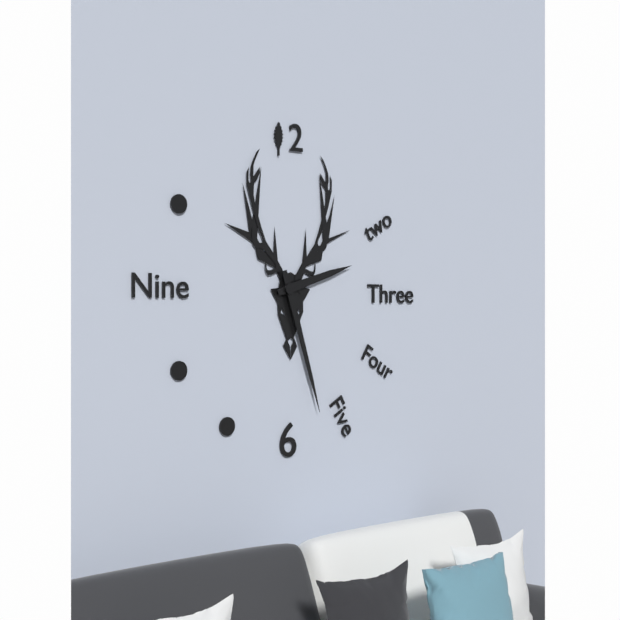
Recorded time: 2.27
